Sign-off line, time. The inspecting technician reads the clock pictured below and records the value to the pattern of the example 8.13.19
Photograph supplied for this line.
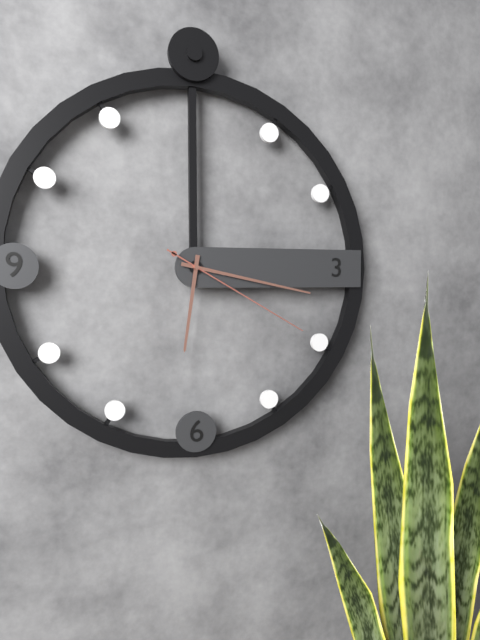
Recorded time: 6.17.20
